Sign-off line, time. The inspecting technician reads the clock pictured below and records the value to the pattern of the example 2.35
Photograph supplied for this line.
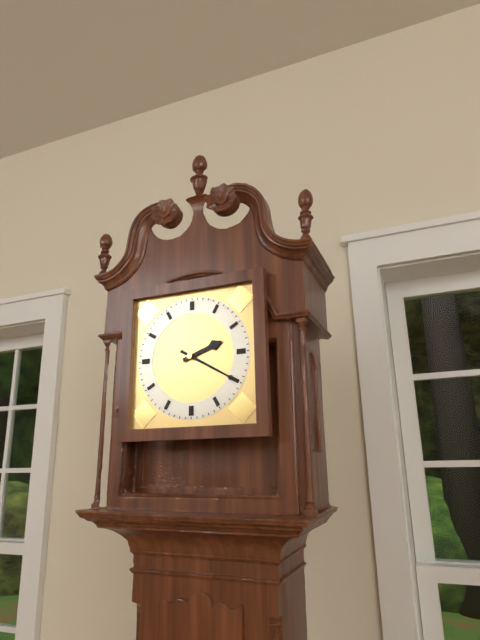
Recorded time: 2.20
